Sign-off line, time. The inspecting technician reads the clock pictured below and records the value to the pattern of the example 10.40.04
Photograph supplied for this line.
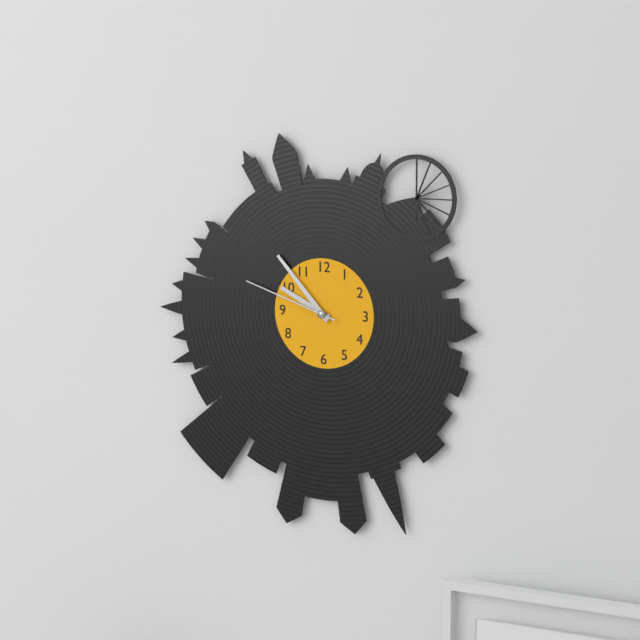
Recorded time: 9.53.48
